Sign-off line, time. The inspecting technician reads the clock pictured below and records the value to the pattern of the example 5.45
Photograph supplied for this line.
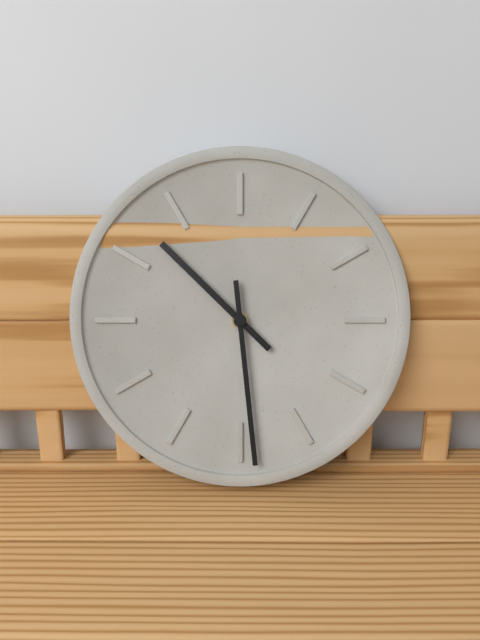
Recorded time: 10.29
